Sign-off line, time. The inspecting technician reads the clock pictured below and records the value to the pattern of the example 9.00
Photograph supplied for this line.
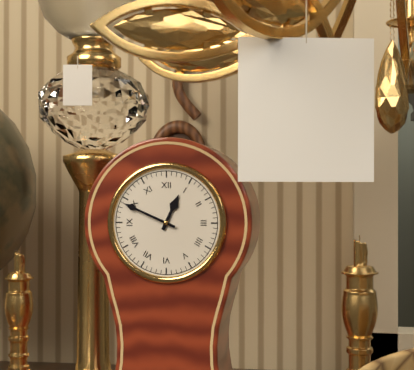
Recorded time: 12.49
